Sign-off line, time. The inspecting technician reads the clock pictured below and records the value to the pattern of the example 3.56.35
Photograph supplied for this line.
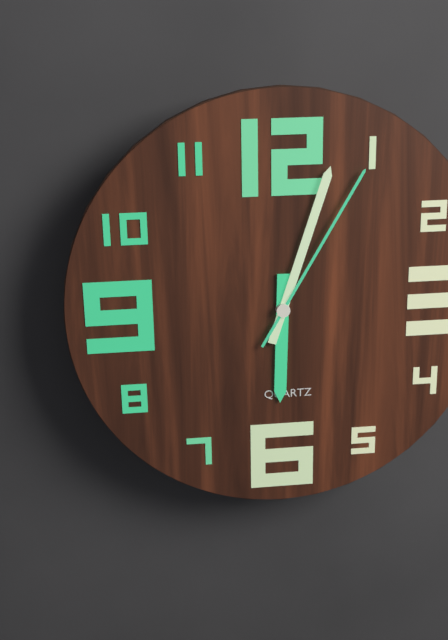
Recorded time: 6.03.05
